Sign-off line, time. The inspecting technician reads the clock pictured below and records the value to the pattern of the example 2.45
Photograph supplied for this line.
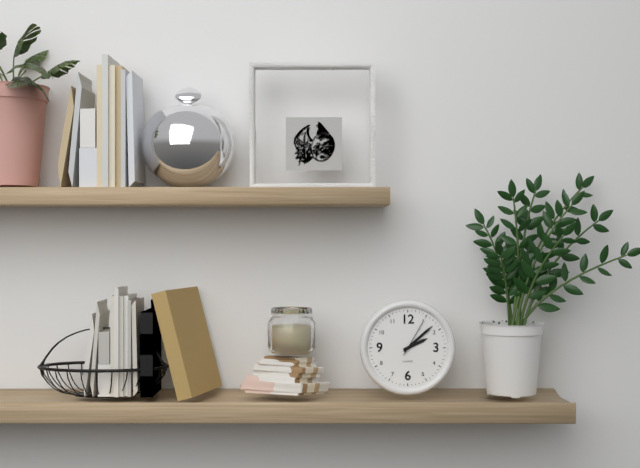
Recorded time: 2.08
